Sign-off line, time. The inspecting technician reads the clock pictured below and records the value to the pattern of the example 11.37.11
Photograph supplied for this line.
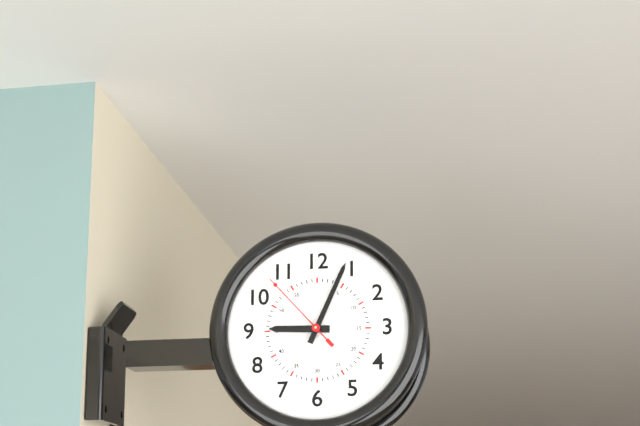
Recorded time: 9.04.53
